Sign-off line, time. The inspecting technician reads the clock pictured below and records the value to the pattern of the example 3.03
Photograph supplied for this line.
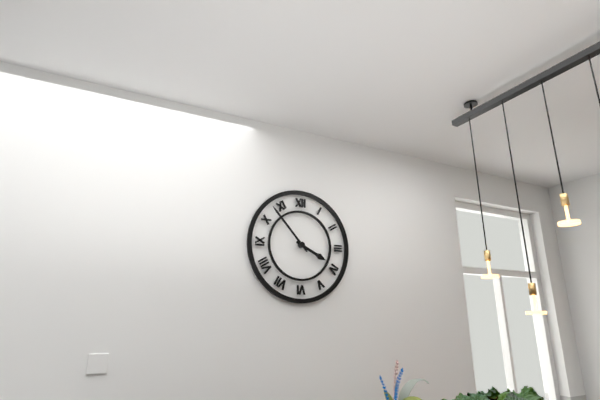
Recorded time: 3.53
